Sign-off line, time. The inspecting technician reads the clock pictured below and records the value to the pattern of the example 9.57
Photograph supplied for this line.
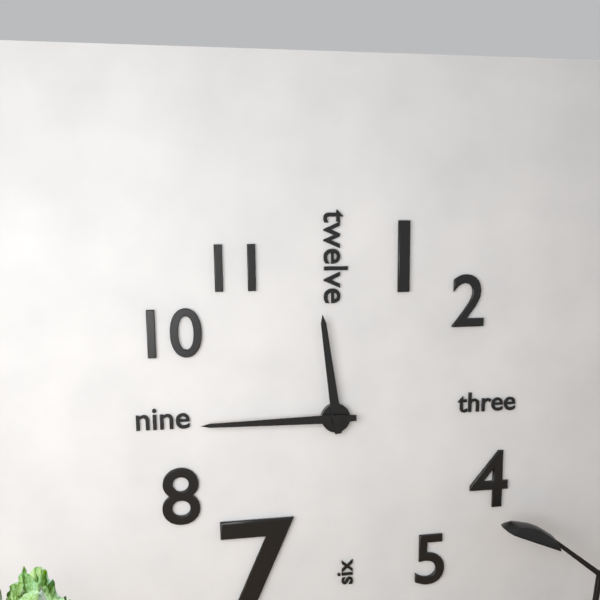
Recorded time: 11.45
